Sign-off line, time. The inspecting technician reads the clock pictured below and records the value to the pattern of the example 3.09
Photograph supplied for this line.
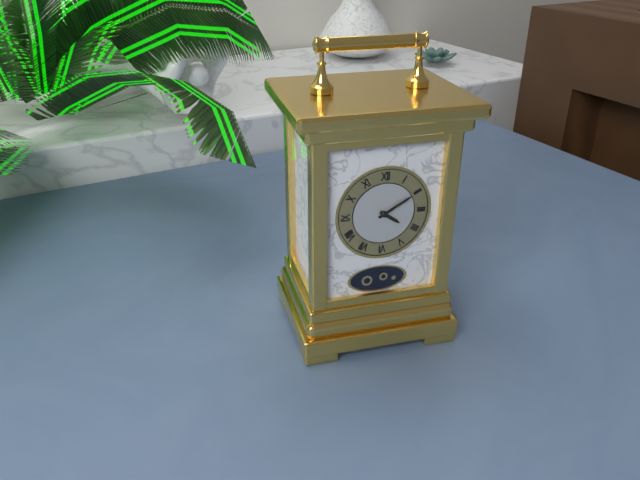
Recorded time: 4.10
